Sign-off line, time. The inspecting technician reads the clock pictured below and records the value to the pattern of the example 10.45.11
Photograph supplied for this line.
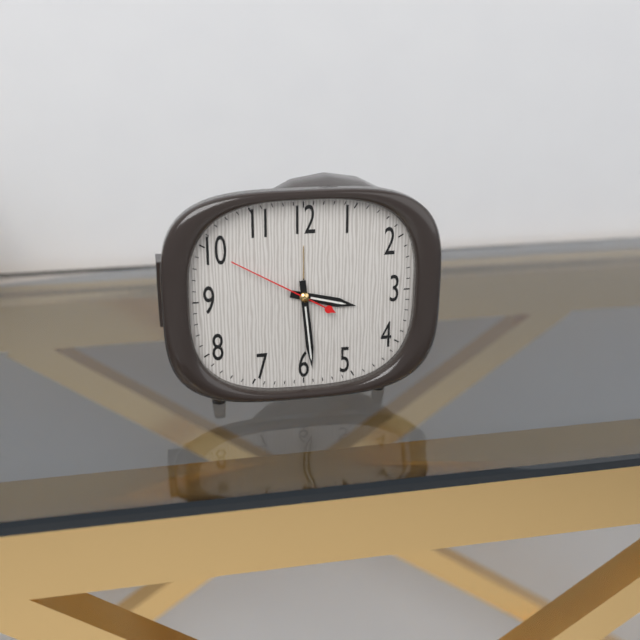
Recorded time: 3.29.50
